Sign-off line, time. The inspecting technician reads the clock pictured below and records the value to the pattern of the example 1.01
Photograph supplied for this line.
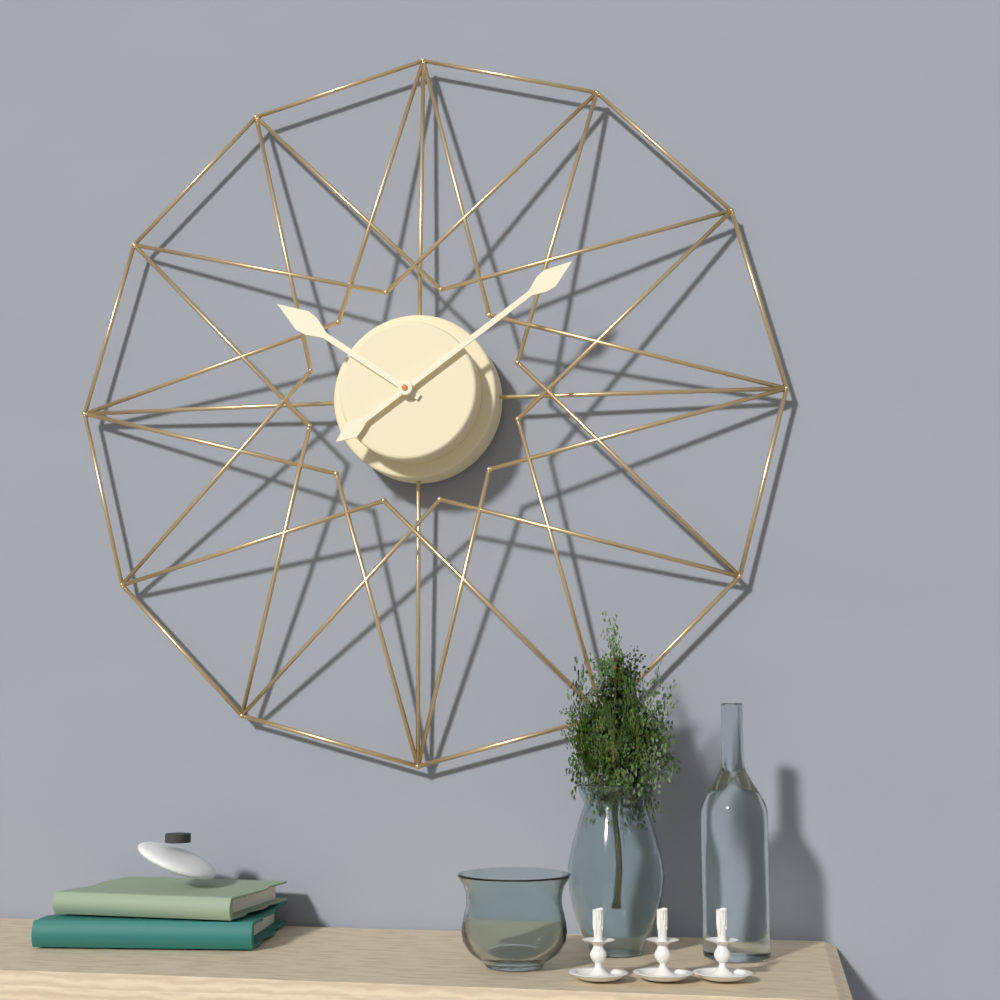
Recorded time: 10.09
